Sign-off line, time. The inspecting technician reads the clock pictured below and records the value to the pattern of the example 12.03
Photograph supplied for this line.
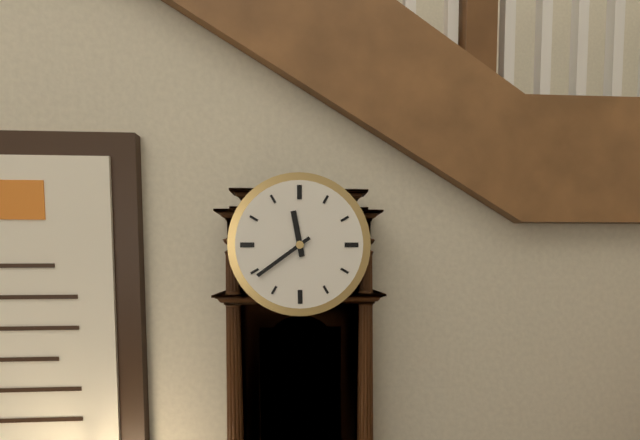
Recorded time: 11.39
